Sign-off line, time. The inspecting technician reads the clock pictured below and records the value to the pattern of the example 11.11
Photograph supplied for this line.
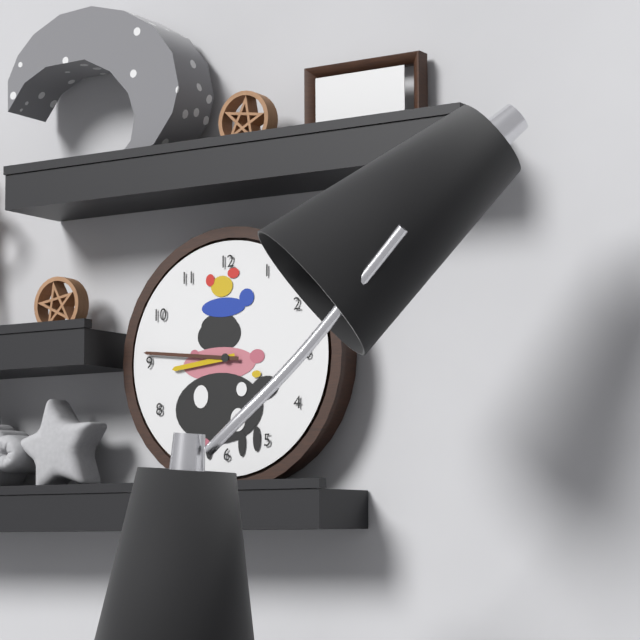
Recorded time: 8.46
